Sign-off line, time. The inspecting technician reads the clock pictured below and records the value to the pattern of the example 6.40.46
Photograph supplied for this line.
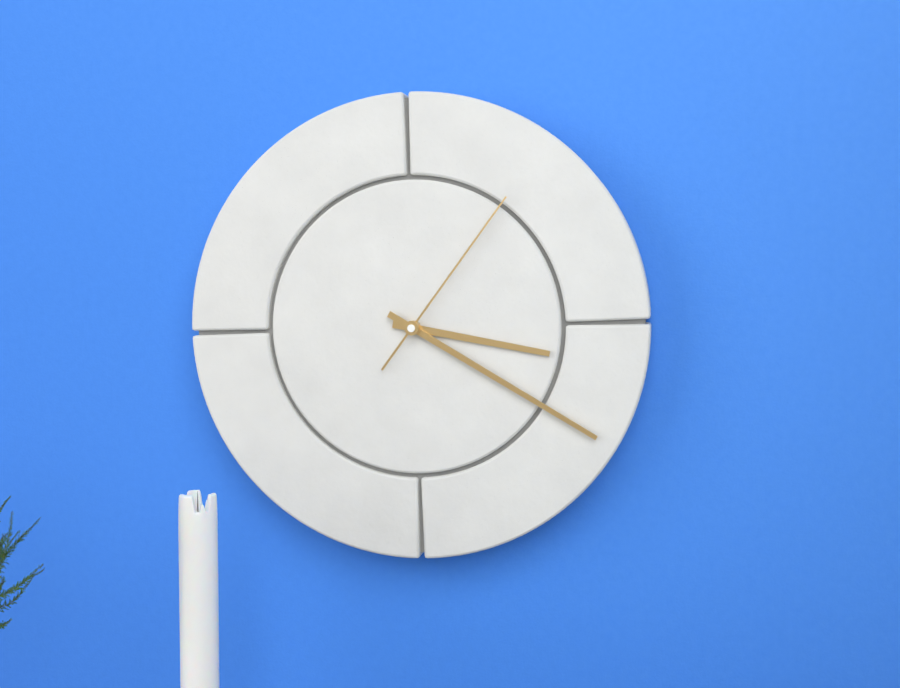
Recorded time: 3.20.06
